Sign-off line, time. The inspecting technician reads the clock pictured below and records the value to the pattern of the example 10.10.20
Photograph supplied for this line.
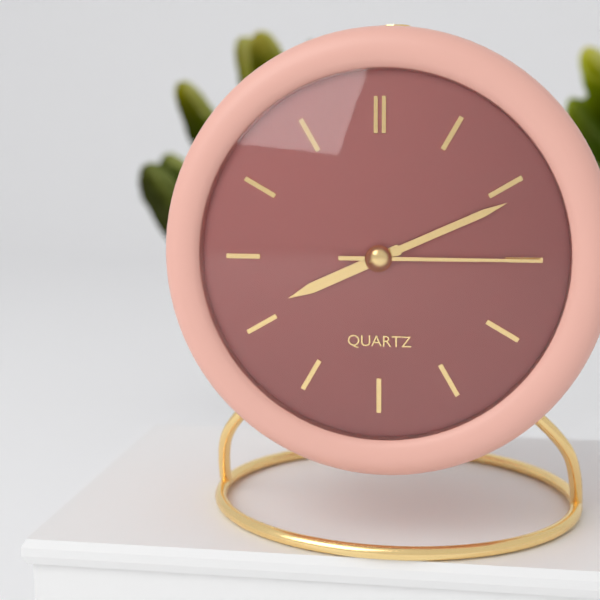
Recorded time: 8.11.15
